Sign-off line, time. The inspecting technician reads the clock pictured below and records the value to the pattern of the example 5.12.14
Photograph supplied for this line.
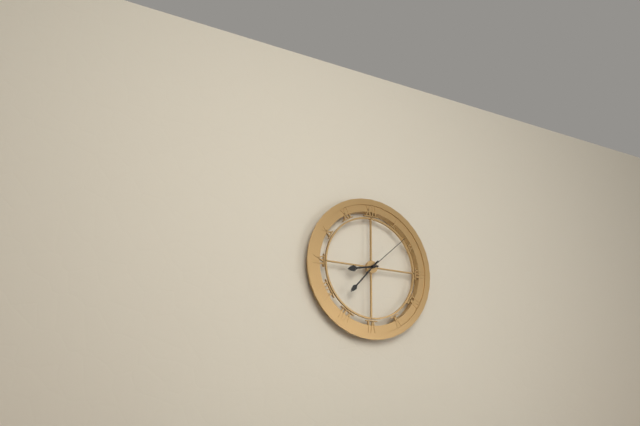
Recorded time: 8.37.08
